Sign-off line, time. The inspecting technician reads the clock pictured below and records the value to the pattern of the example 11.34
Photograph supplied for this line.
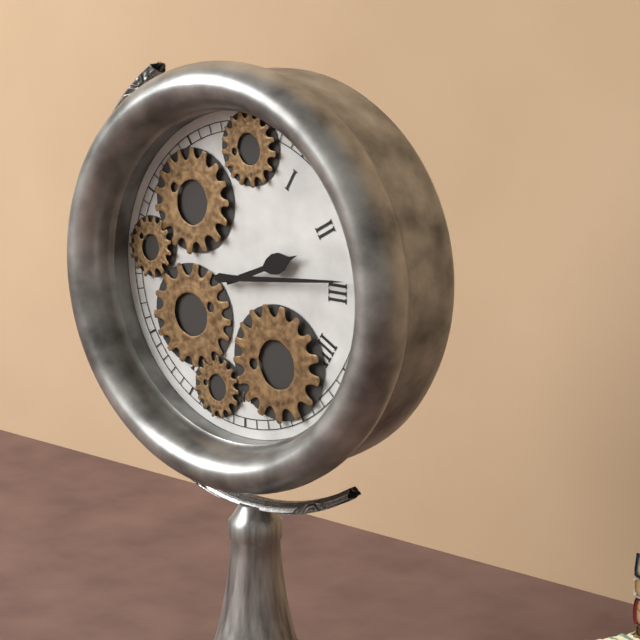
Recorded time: 2.14
